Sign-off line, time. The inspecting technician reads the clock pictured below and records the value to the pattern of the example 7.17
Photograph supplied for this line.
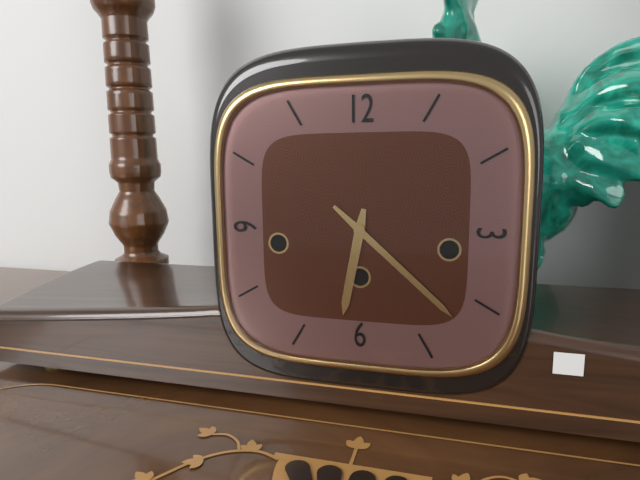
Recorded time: 6.22
